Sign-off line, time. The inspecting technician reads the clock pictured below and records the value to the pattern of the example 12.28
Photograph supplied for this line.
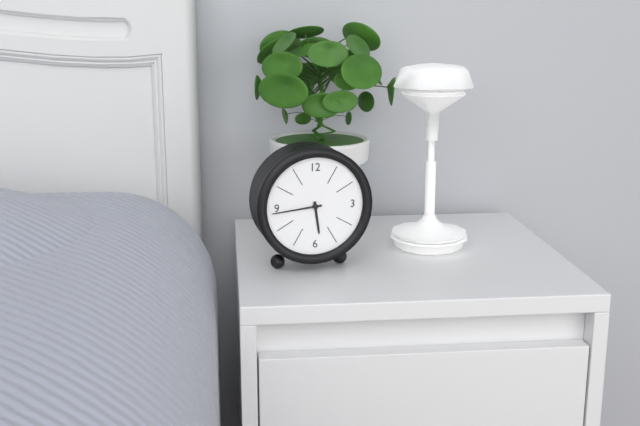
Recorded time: 5.44
